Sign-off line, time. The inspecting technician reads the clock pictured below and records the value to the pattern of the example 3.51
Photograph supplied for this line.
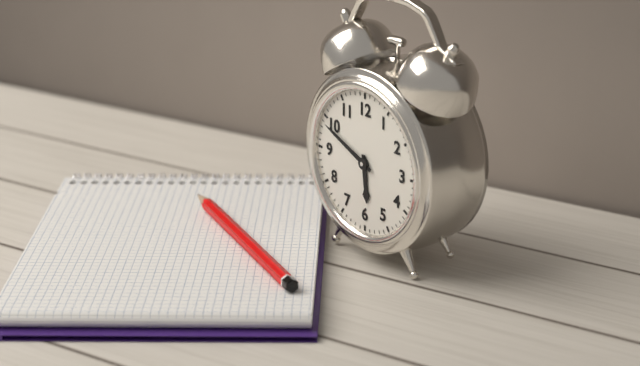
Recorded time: 5.49
